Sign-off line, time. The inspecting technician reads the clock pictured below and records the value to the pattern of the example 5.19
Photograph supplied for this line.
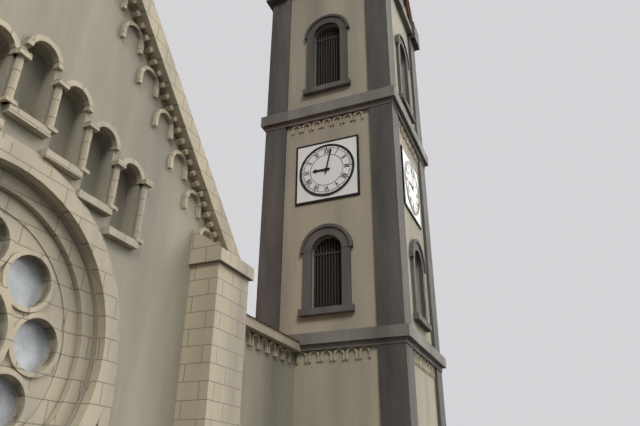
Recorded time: 9.02
